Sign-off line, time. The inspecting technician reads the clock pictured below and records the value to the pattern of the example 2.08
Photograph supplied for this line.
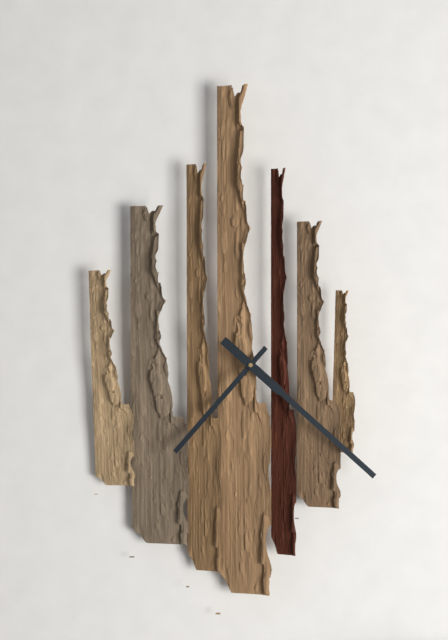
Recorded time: 7.22
